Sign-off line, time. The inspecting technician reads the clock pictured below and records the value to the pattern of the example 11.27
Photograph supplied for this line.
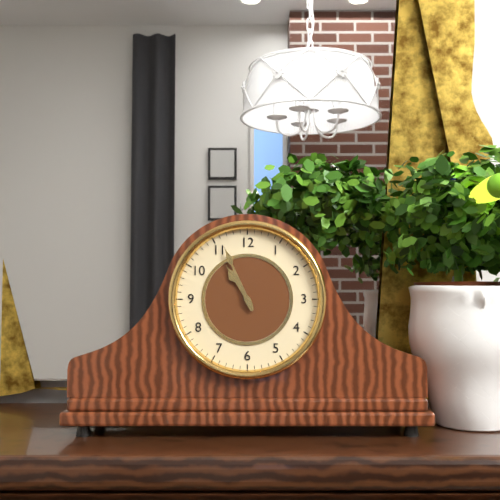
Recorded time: 10.56
